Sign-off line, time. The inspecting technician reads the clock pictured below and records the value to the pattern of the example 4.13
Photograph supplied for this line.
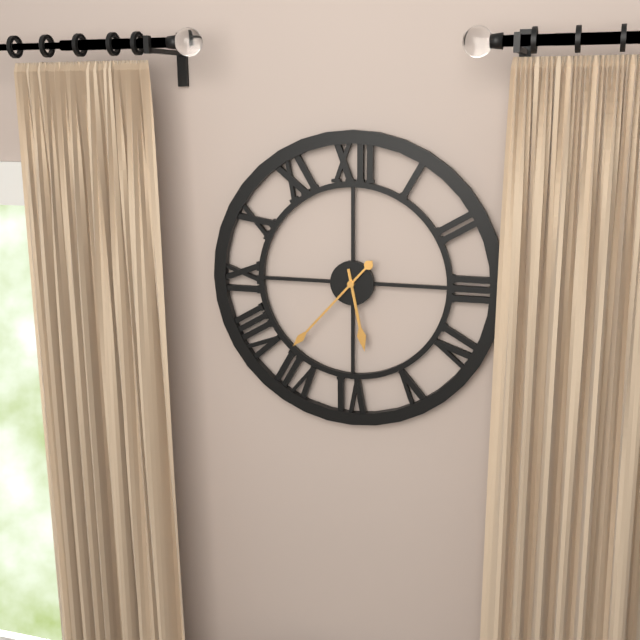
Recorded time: 5.37
